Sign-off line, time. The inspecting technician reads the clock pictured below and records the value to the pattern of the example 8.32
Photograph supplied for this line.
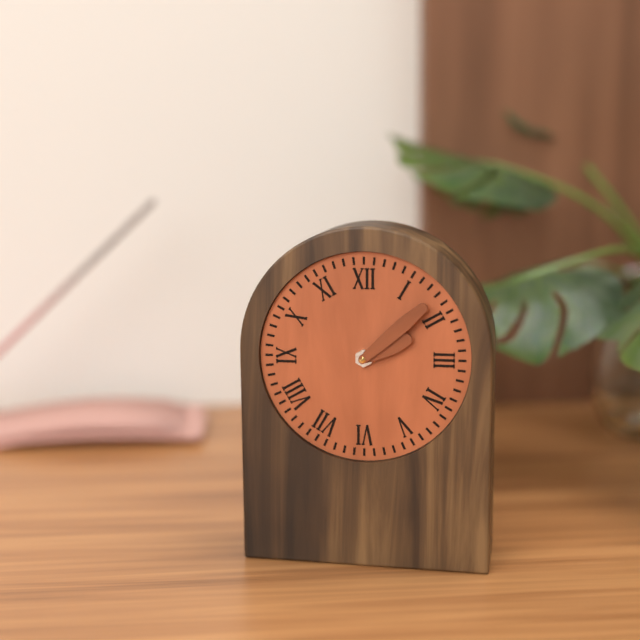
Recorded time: 2.08
